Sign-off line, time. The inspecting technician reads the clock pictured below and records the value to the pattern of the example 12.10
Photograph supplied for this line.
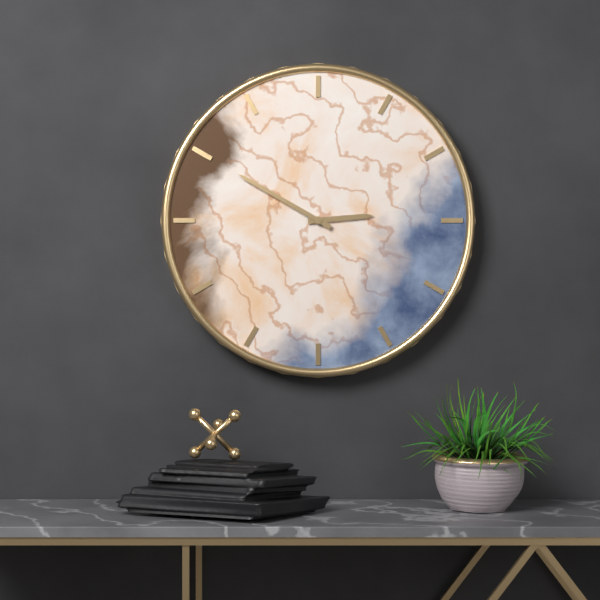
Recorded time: 2.50
